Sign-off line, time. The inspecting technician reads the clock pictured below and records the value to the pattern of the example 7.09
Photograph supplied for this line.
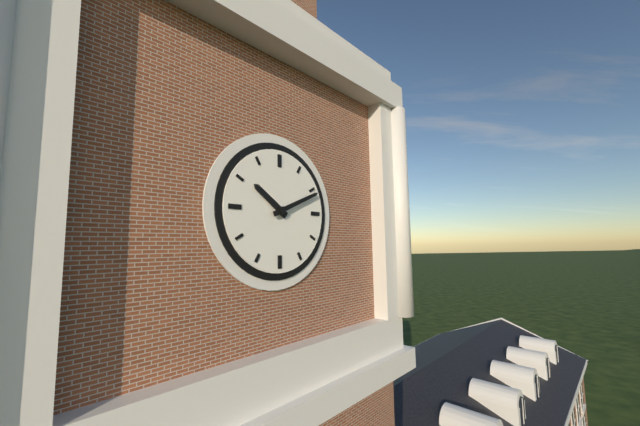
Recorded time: 10.11
